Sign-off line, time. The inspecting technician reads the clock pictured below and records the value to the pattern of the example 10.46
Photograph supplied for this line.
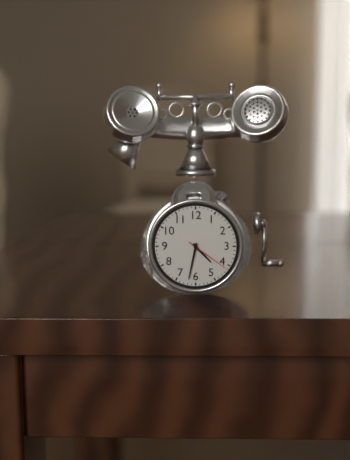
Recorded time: 4.32
